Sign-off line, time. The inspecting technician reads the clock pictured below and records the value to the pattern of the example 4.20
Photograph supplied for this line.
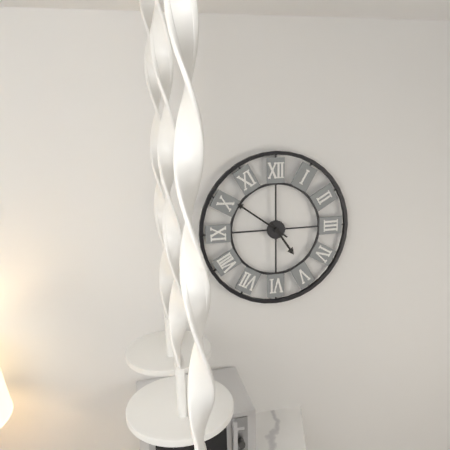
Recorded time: 4.51
